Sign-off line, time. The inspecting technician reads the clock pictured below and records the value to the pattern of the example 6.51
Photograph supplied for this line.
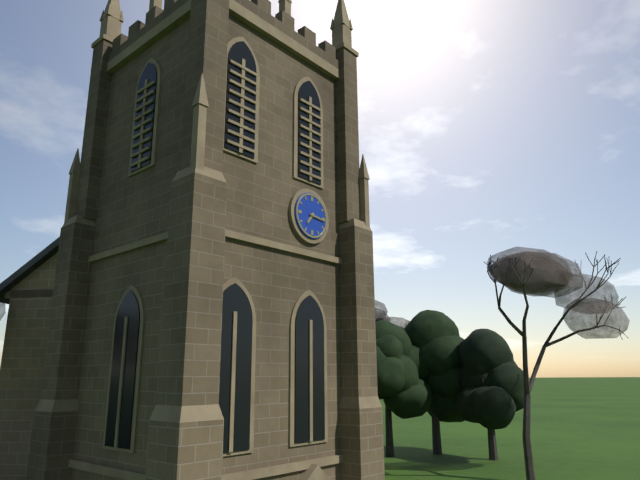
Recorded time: 7.16
